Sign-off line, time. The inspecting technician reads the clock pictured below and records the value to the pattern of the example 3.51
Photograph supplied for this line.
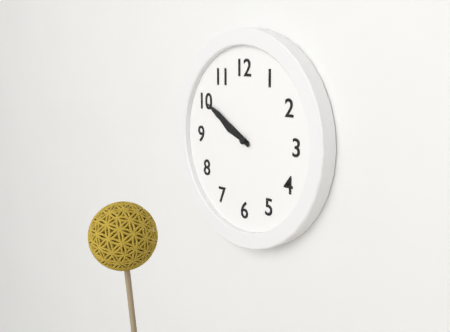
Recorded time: 9.50
